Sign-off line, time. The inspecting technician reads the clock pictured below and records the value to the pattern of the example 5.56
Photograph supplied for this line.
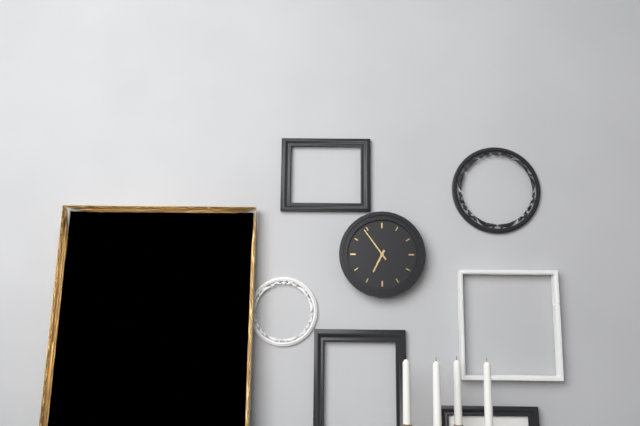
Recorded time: 6.54
